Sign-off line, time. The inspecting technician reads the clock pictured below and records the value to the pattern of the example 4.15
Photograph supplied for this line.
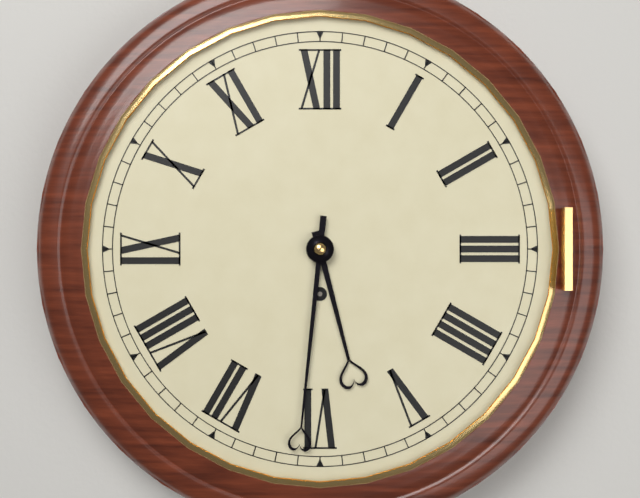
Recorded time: 5.31
